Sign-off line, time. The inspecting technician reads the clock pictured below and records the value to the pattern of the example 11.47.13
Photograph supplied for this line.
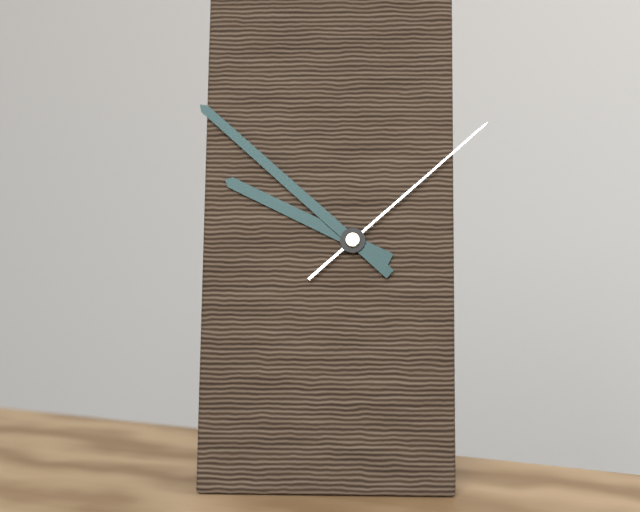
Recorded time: 9.52.08
